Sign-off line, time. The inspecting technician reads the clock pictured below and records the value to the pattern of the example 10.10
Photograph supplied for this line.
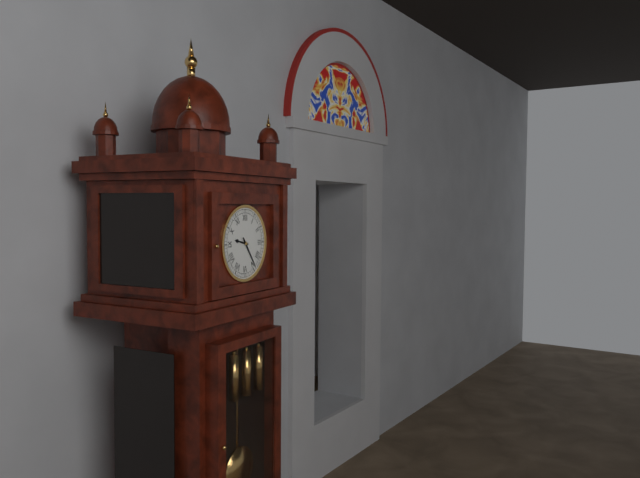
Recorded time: 9.24
